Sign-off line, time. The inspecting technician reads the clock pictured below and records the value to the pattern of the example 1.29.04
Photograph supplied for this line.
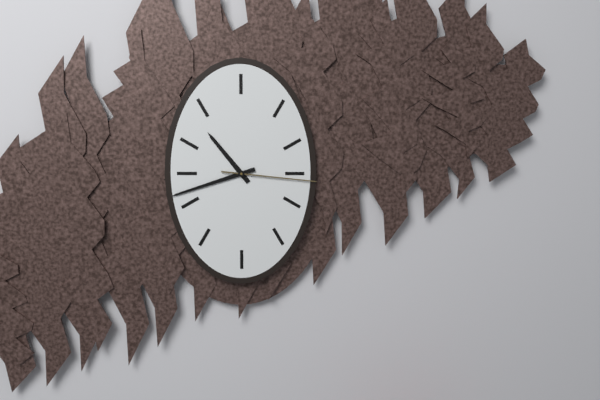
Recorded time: 10.42.16
